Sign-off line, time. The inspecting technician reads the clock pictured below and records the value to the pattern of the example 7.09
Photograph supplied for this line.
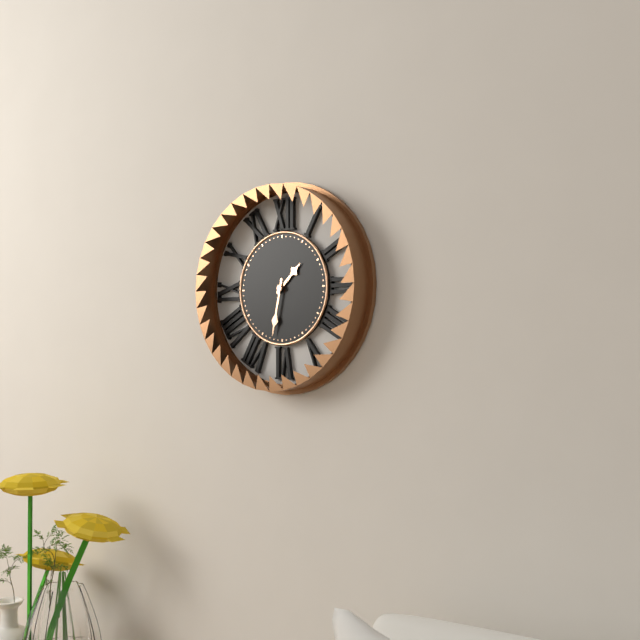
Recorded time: 1.32
